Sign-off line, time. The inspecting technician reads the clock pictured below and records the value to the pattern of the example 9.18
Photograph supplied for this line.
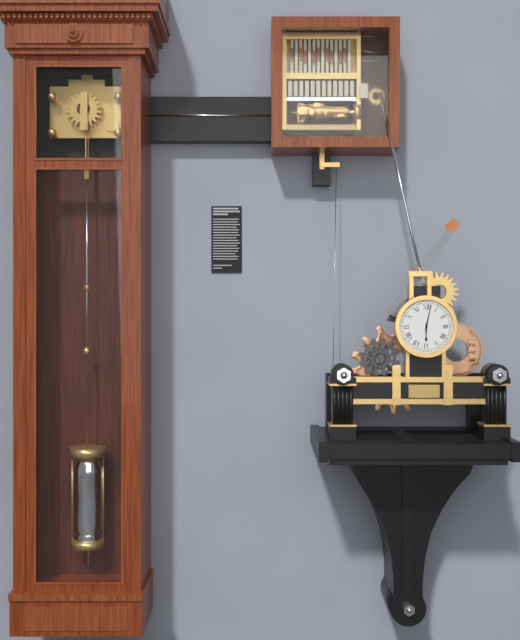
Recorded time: 6.02
